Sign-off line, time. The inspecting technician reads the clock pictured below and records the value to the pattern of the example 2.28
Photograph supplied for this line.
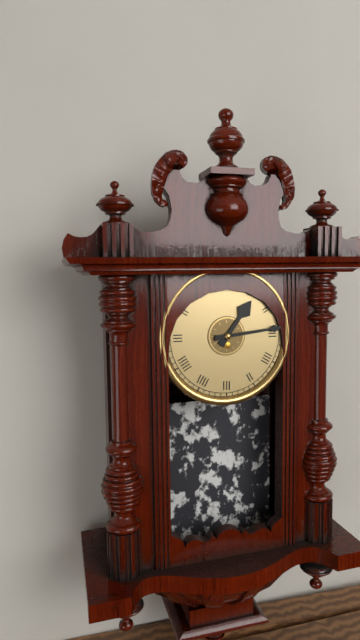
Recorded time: 1.14
